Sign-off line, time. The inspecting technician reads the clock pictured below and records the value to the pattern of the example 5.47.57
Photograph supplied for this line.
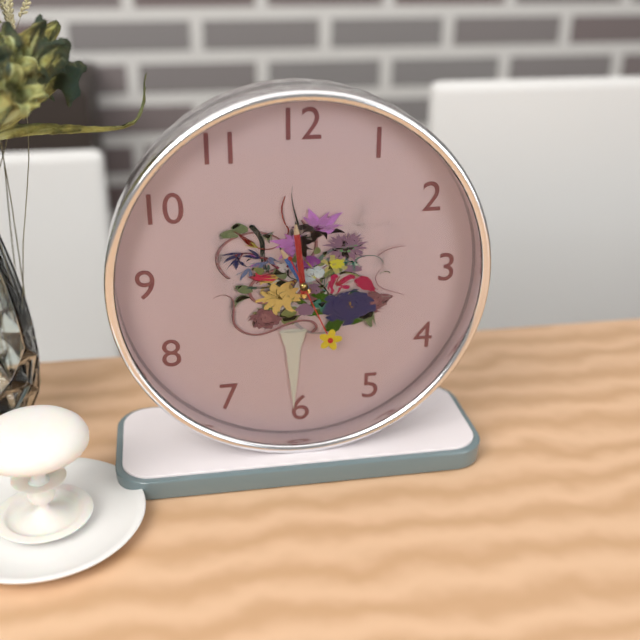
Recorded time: 10.59.26
